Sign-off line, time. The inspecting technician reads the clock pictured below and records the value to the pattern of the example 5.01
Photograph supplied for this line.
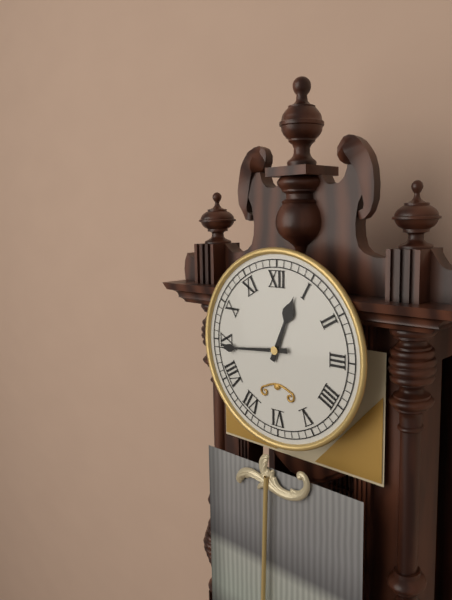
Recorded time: 12.44
